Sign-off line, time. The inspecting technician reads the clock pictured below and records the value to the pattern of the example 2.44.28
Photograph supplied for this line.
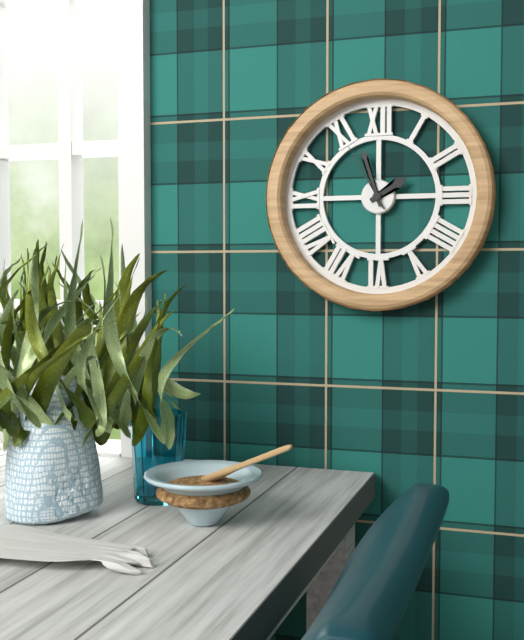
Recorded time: 1.57.55
